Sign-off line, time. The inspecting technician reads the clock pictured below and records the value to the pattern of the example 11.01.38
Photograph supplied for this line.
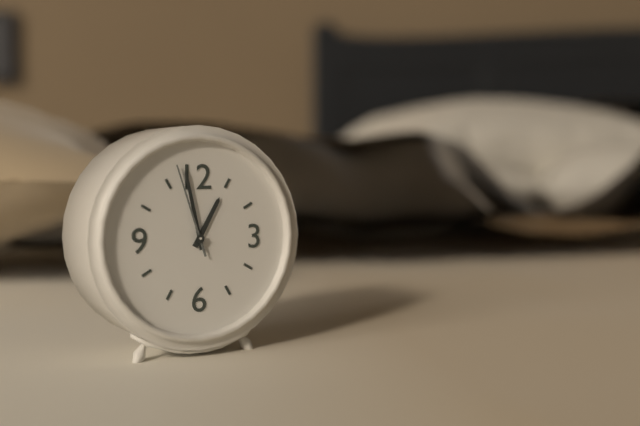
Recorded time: 12.58.57
